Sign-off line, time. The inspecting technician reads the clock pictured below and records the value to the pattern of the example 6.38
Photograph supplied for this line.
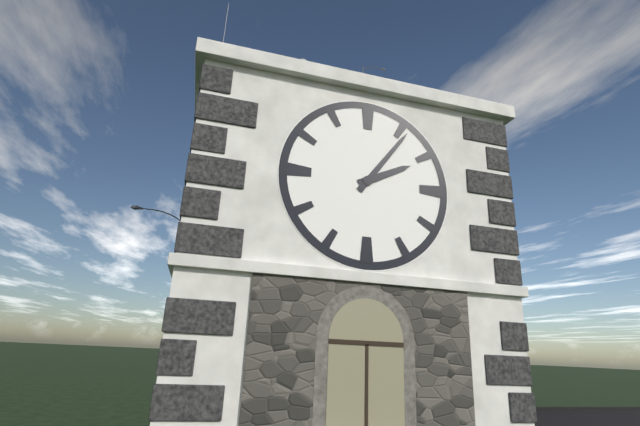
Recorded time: 2.06
